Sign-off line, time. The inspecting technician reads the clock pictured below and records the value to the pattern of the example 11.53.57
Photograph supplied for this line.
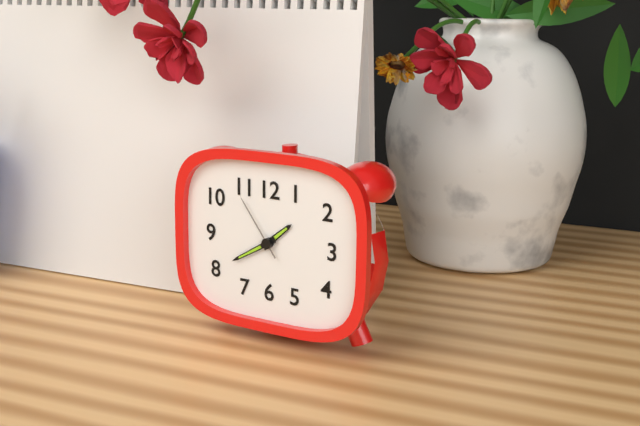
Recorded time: 1.40.54
